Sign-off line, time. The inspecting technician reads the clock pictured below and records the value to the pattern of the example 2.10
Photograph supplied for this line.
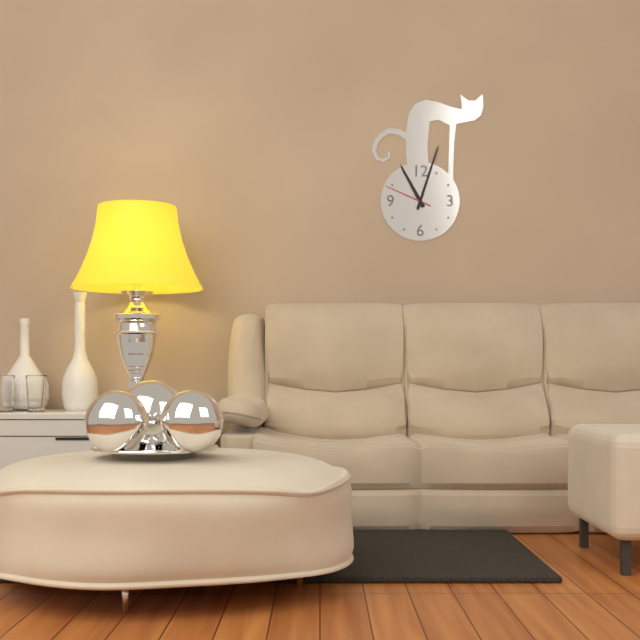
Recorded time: 11.03
